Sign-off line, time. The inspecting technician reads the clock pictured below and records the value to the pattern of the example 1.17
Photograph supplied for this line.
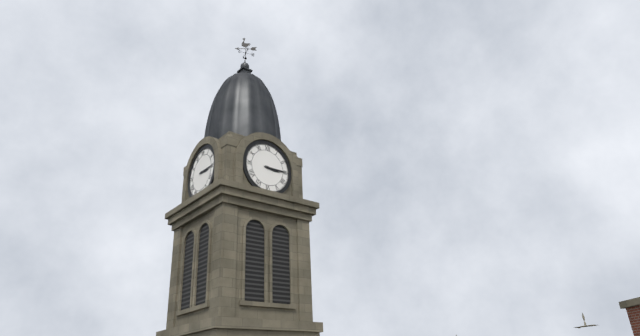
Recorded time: 3.15
